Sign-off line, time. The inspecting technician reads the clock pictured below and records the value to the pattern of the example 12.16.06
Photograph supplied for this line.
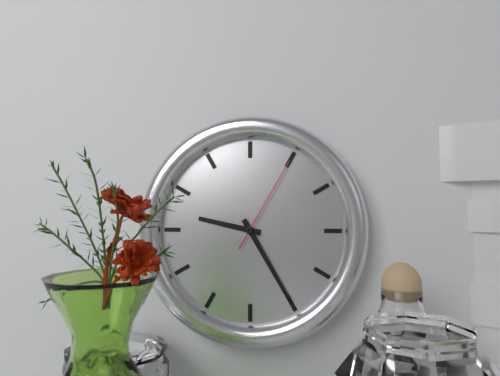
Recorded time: 9.25.05
